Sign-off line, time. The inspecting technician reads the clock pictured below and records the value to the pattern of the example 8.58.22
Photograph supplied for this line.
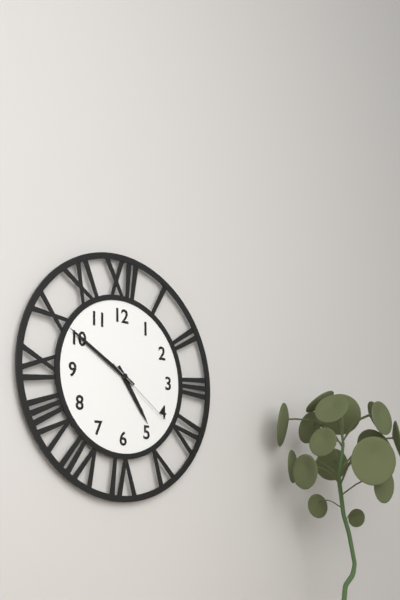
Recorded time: 4.50.21
